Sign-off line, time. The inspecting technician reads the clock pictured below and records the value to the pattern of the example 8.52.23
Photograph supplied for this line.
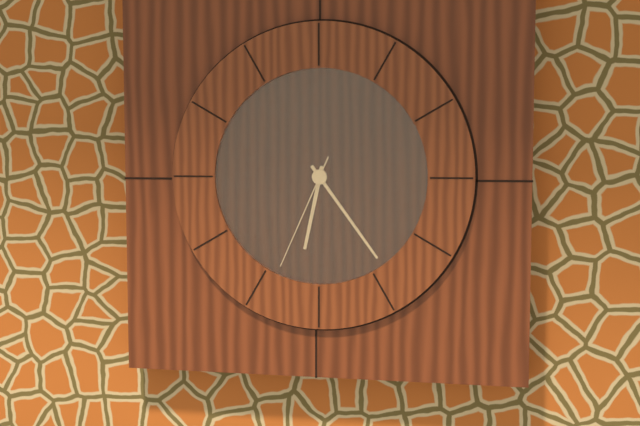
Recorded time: 6.24.34
